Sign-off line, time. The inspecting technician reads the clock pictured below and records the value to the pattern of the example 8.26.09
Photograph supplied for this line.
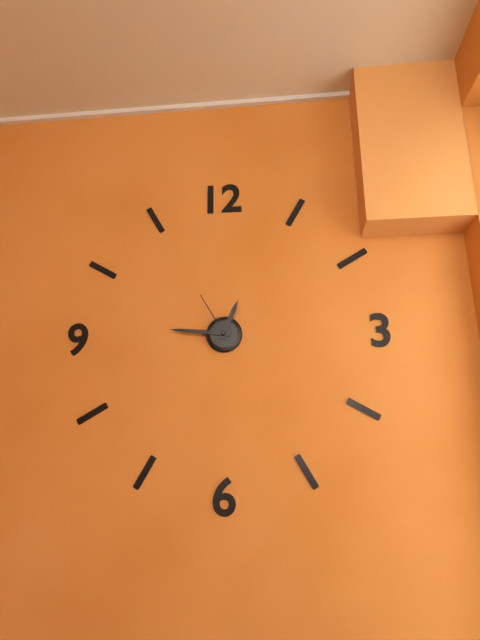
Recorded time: 12.46.55
